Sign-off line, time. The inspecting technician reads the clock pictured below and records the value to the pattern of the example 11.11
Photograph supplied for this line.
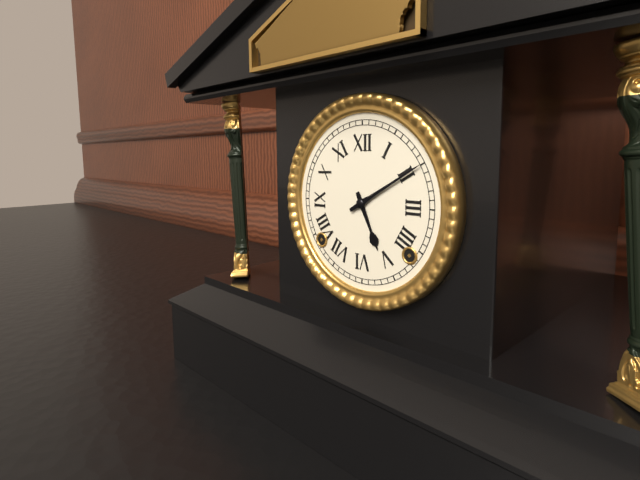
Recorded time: 5.10
